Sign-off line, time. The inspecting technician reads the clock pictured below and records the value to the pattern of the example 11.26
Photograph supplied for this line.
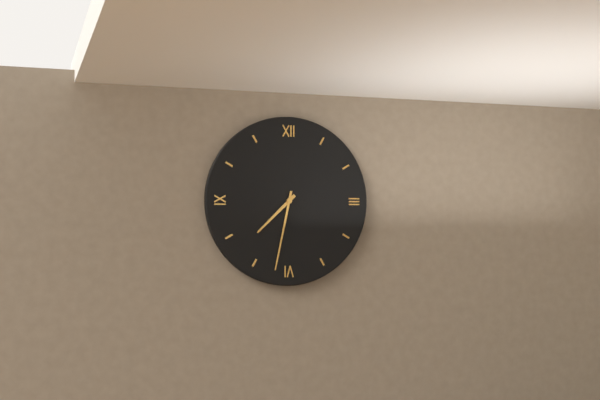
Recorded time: 7.32
